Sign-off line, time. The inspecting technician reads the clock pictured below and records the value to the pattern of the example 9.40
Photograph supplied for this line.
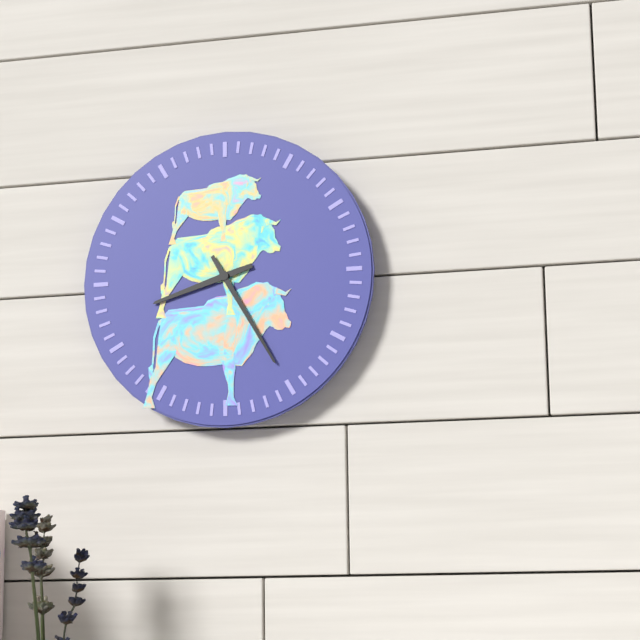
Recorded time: 8.25
